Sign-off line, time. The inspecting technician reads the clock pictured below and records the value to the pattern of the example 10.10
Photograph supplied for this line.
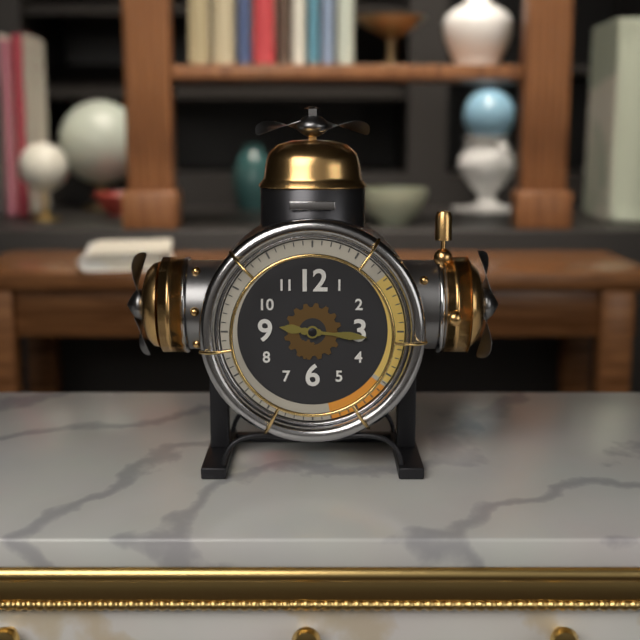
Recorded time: 9.16
